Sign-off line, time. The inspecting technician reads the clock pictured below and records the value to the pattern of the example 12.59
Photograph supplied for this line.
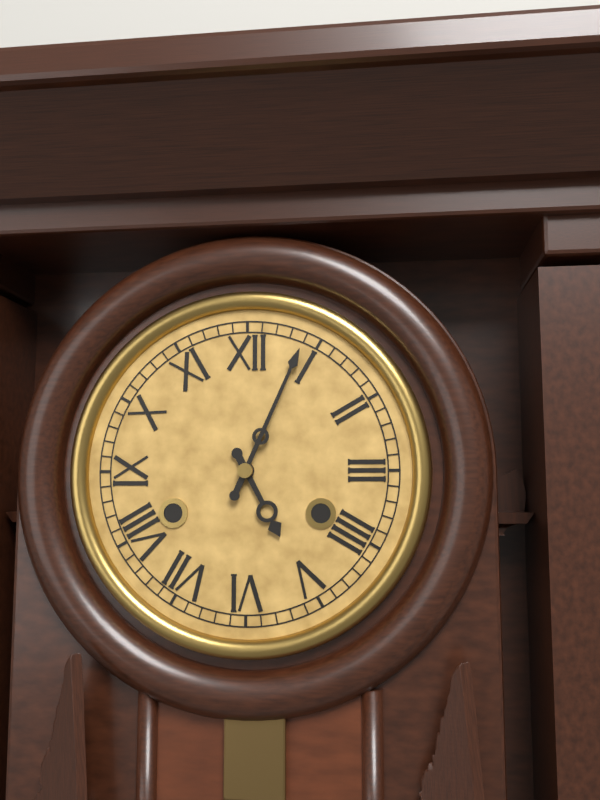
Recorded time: 5.04
